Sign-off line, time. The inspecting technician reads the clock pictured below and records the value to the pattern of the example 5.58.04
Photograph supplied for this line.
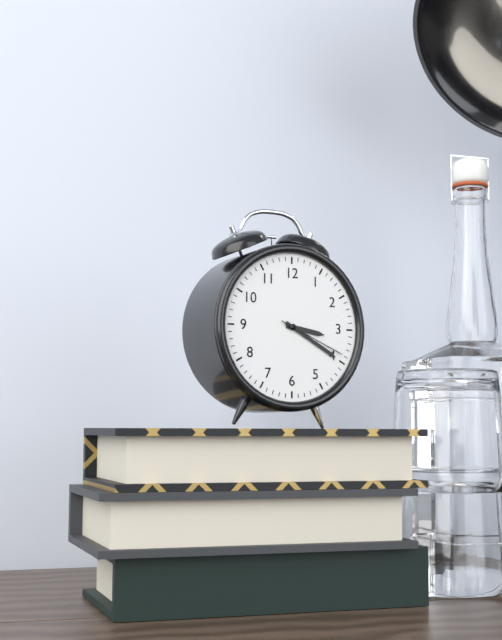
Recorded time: 3.20.19
